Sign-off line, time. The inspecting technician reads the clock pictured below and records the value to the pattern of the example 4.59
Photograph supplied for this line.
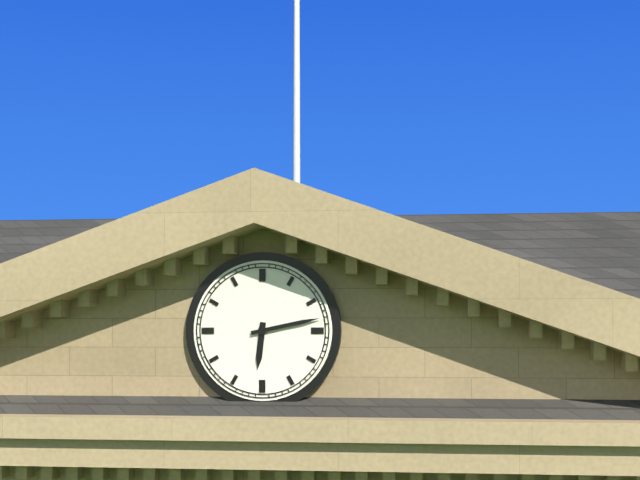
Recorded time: 6.13
